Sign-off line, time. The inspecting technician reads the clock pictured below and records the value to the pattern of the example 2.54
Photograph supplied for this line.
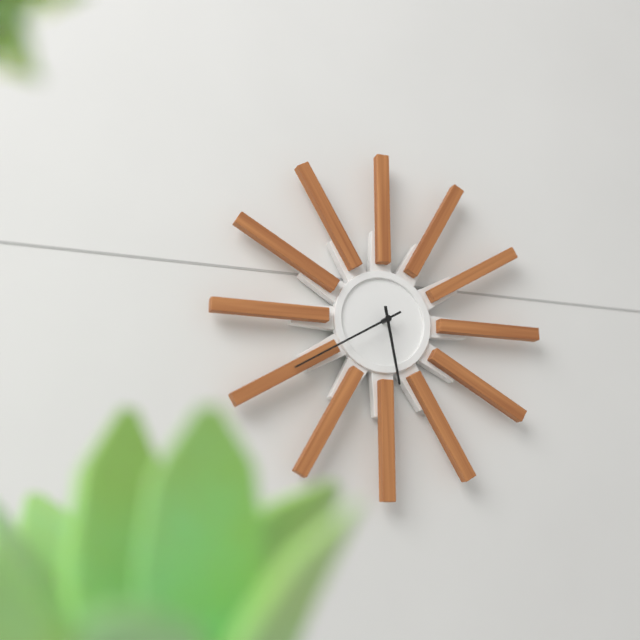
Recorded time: 5.40
